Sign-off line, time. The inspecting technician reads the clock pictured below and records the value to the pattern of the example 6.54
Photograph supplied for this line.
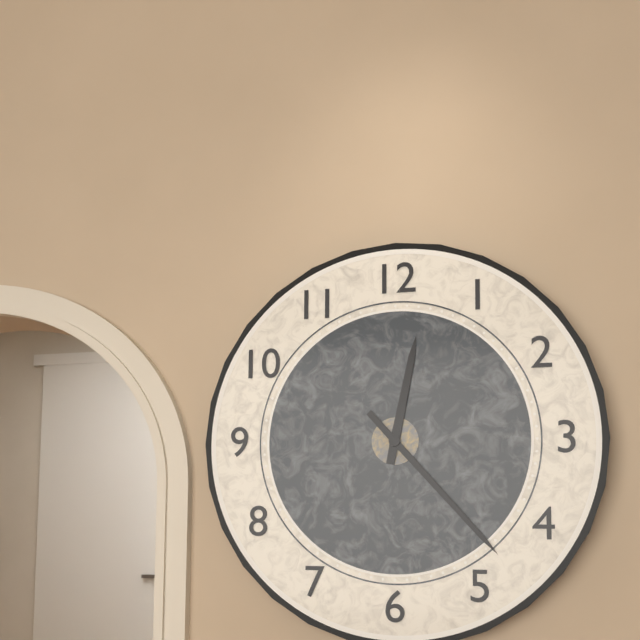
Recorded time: 12.23
